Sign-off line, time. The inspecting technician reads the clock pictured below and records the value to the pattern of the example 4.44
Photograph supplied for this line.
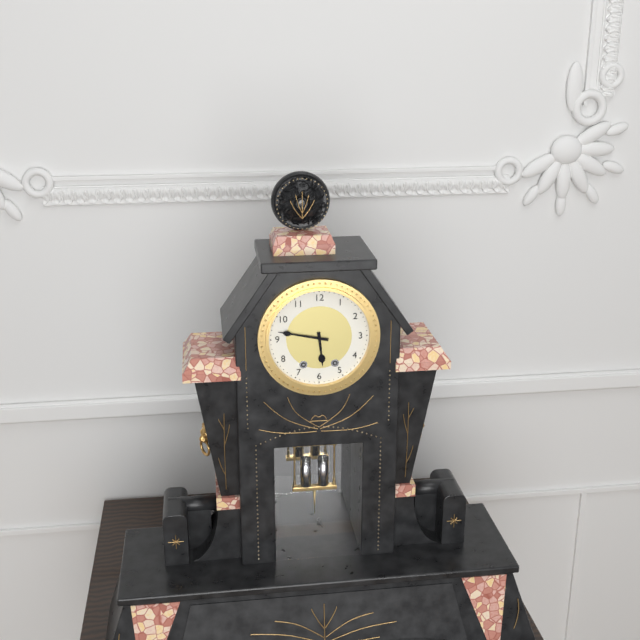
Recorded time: 5.47
